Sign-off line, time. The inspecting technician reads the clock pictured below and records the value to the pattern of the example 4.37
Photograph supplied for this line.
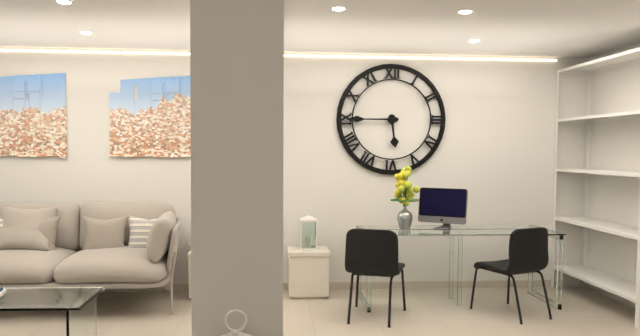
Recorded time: 5.45
